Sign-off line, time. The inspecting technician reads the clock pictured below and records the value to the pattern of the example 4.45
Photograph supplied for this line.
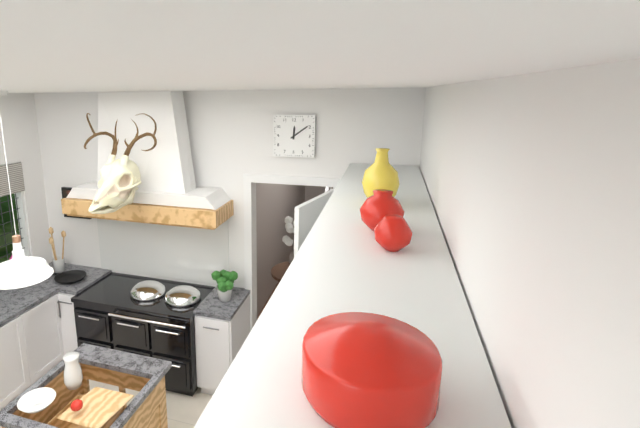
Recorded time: 12.09
